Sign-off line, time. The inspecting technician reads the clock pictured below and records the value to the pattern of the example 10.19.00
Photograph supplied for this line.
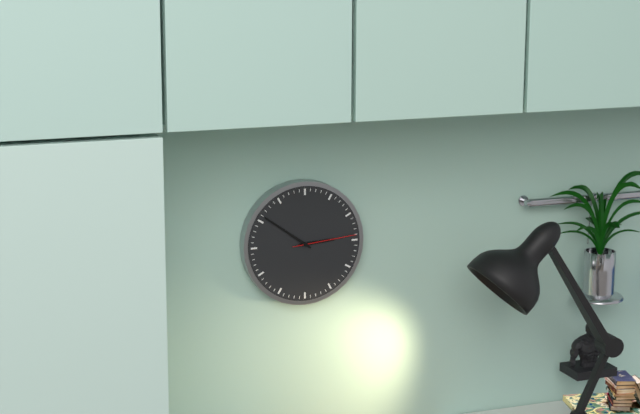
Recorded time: 2.51.14
